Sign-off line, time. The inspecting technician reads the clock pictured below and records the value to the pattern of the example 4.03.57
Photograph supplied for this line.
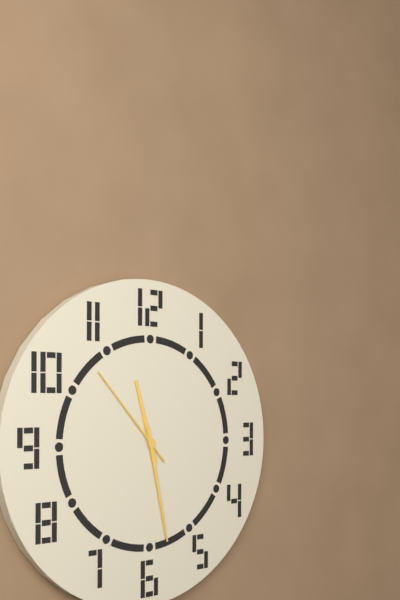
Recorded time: 11.28.53
